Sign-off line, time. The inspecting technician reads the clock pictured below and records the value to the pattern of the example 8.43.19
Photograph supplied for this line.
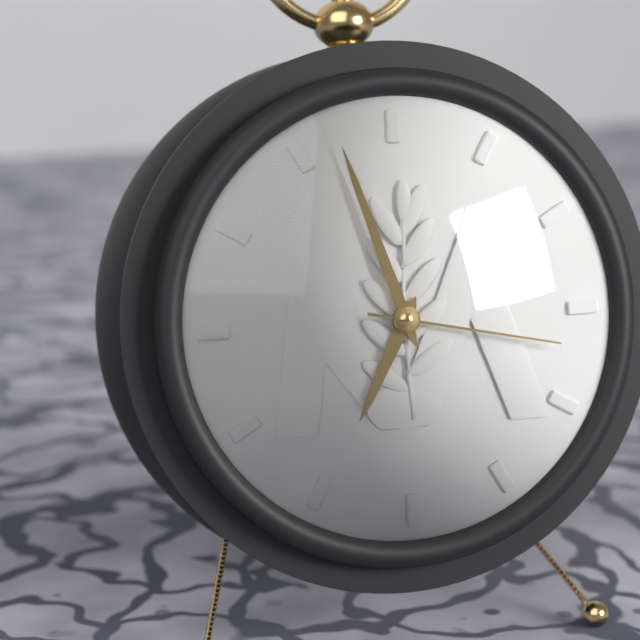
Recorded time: 6.57.17
